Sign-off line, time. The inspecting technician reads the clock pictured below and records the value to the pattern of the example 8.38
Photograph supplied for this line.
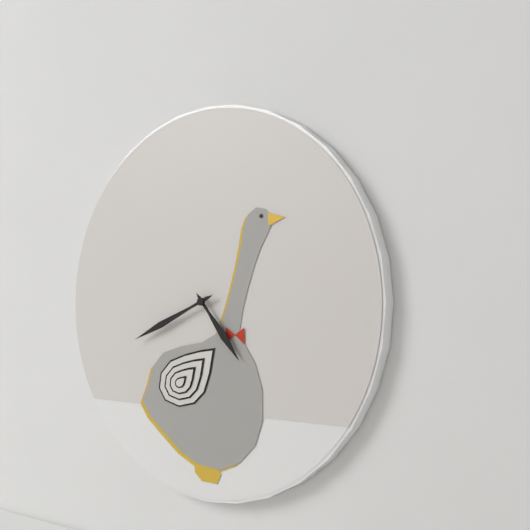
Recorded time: 4.41
